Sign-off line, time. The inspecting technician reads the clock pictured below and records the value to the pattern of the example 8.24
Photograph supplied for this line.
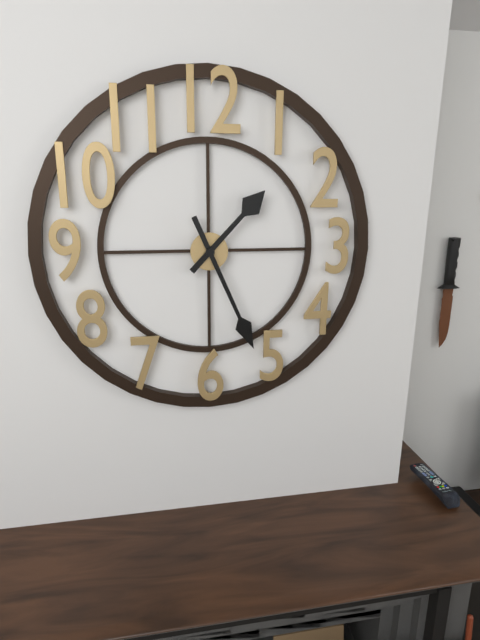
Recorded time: 1.26
